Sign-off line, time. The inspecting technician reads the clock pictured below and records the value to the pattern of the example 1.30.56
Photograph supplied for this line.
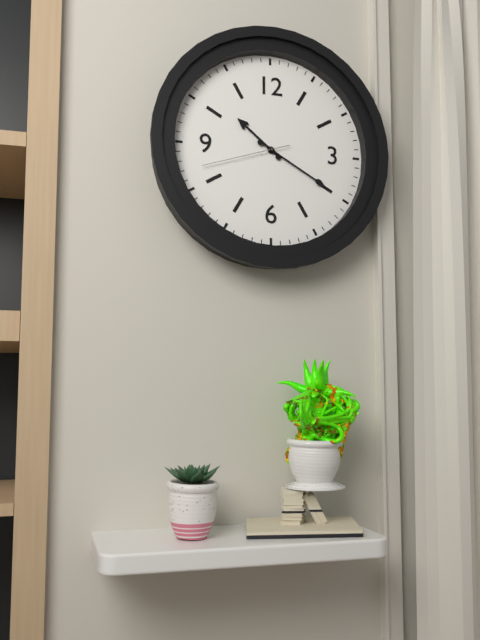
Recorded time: 10.20.42
